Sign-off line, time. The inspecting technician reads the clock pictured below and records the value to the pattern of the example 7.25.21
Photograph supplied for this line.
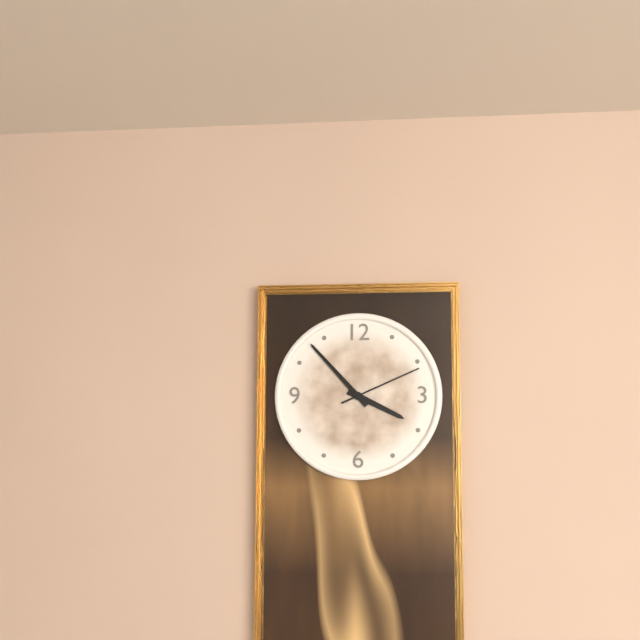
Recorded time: 3.53.11
